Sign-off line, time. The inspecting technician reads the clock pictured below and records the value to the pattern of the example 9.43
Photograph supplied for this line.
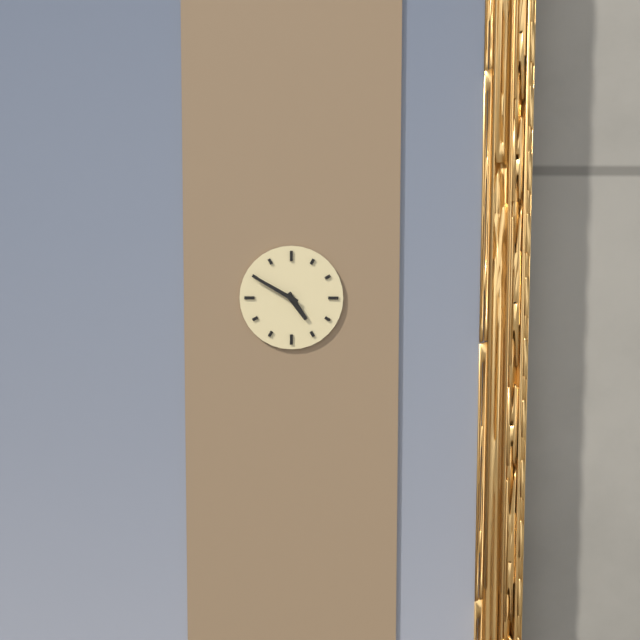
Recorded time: 4.50
